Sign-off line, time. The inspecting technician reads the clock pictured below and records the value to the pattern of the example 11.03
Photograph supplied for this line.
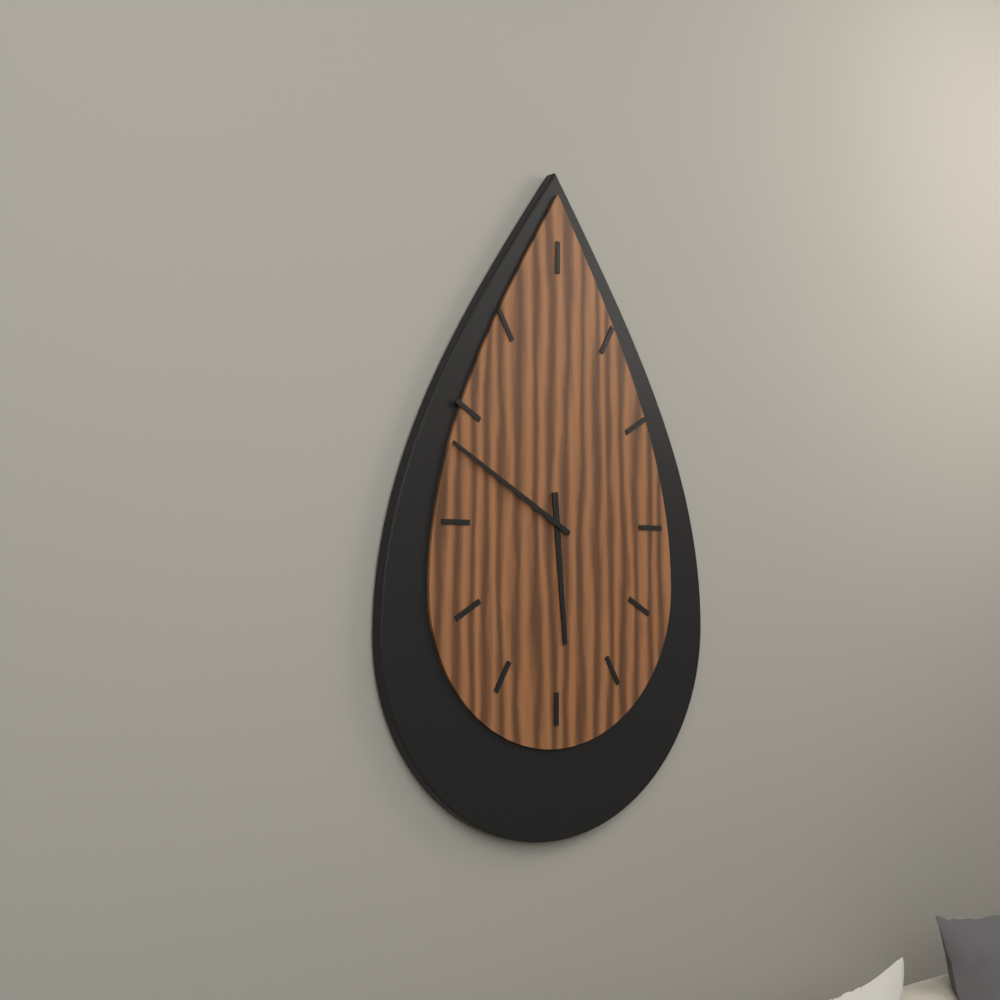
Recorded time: 5.50
